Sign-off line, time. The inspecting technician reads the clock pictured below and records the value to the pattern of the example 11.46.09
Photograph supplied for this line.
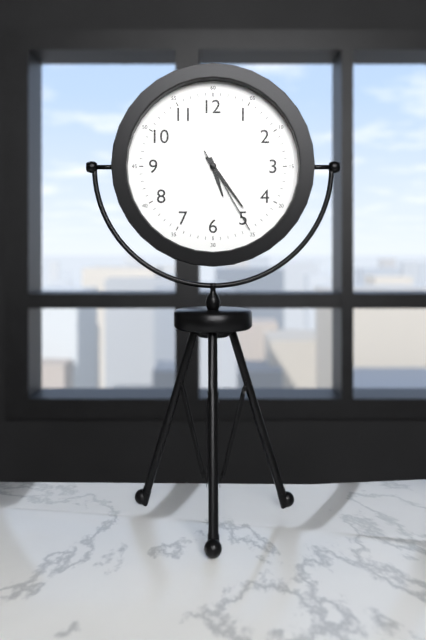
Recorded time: 5.24.25
